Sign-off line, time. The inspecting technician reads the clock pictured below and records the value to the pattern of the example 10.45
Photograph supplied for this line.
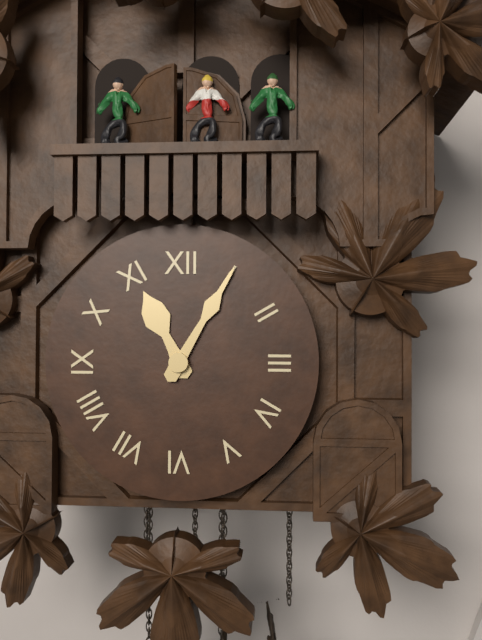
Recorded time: 11.05
